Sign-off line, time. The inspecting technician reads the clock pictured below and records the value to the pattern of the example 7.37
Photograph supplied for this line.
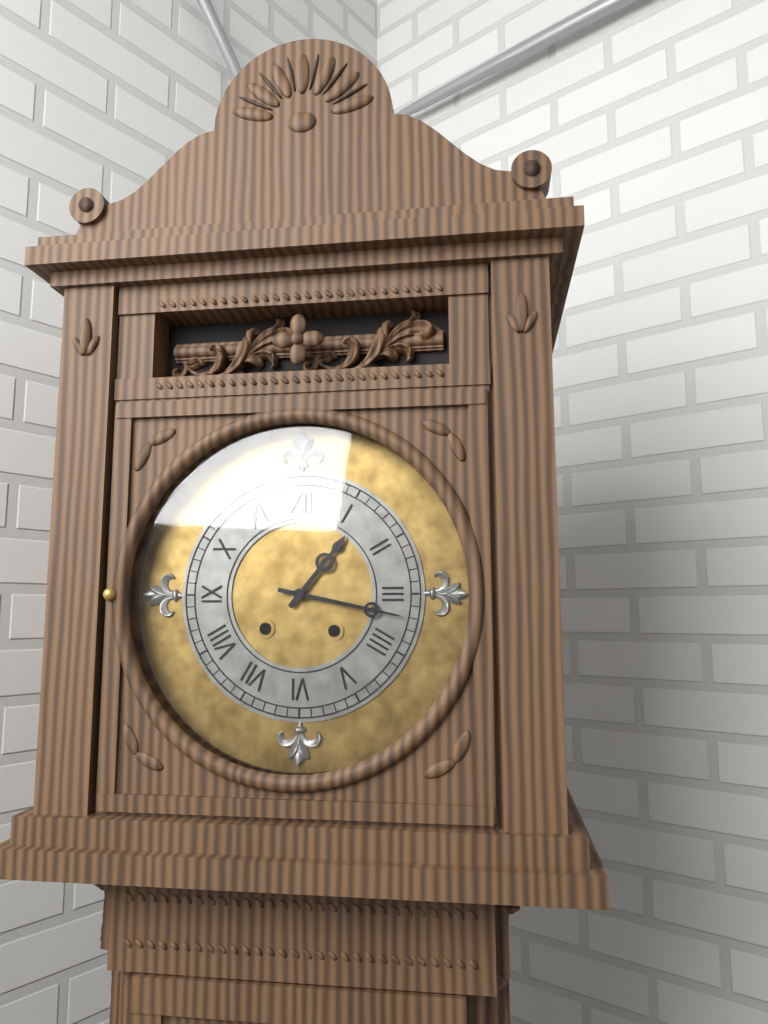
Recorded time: 1.17
